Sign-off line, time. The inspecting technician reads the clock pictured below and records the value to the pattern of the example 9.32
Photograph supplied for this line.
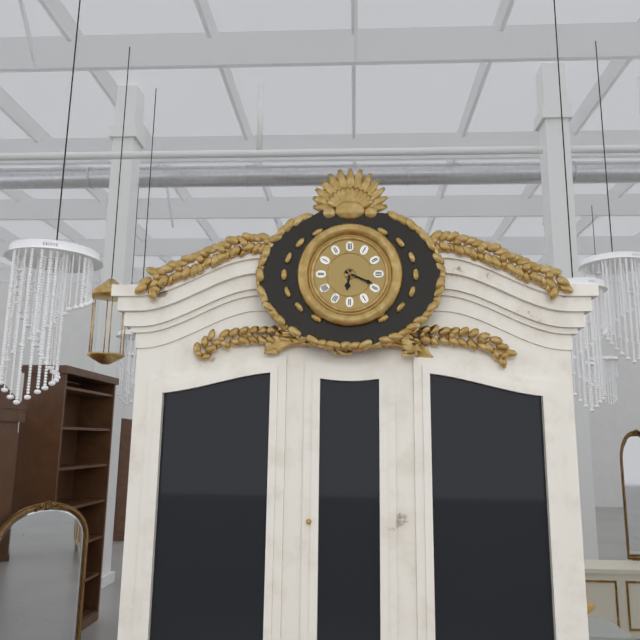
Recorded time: 6.19
